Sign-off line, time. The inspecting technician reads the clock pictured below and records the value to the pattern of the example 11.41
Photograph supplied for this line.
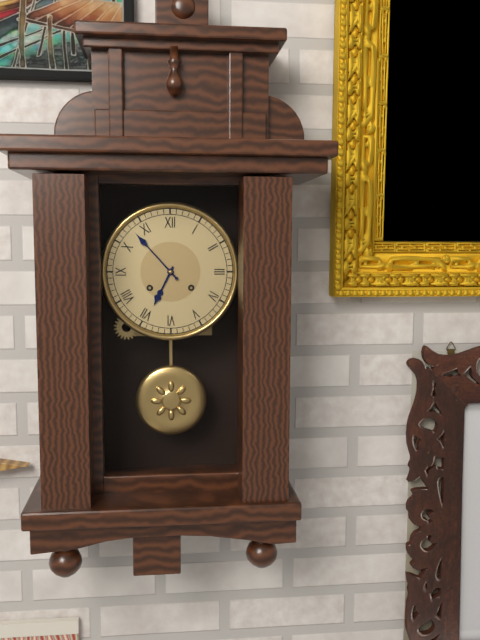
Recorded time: 6.53
